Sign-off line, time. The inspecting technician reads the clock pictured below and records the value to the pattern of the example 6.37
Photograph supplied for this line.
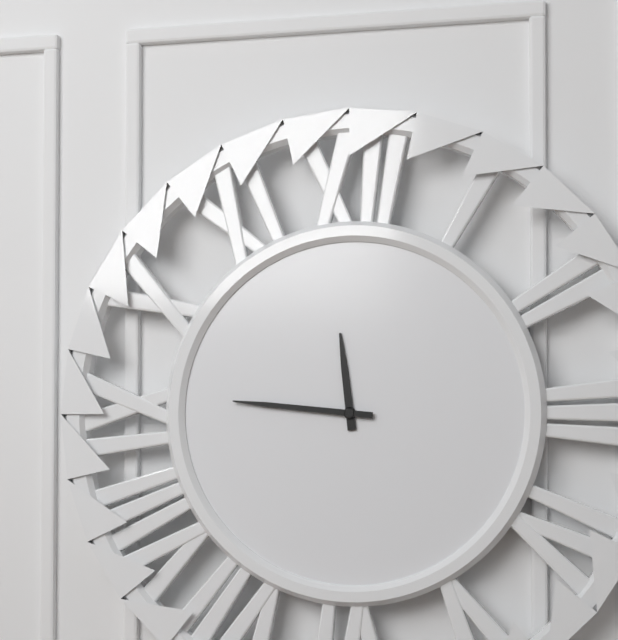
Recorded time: 11.46
